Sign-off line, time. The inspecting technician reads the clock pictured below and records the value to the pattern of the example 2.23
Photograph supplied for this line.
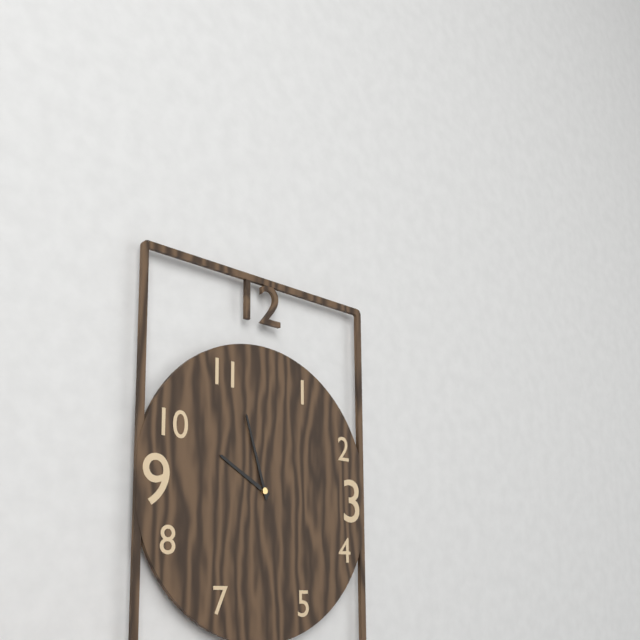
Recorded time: 9.57
